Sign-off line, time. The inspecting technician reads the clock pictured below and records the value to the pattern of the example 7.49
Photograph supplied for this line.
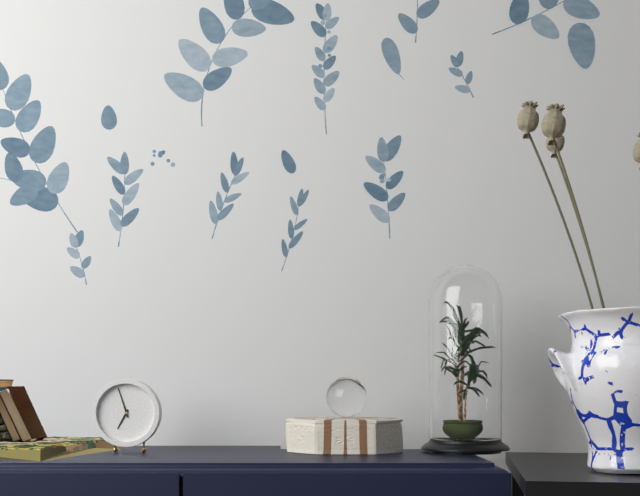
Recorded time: 6.57
